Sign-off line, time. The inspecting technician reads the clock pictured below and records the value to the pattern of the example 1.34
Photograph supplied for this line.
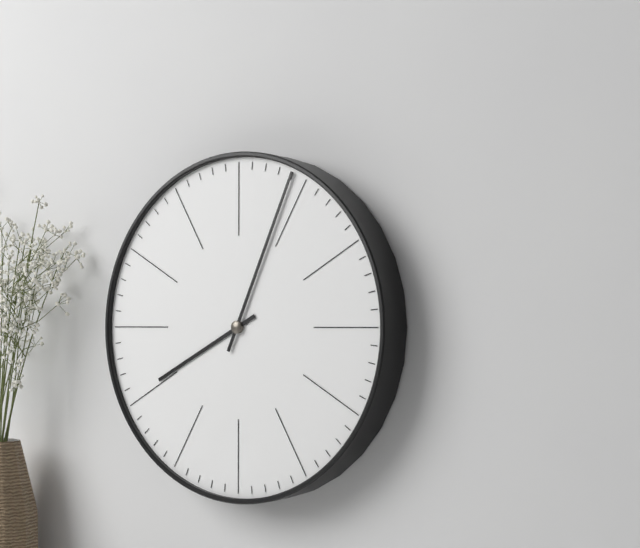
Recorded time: 8.04
